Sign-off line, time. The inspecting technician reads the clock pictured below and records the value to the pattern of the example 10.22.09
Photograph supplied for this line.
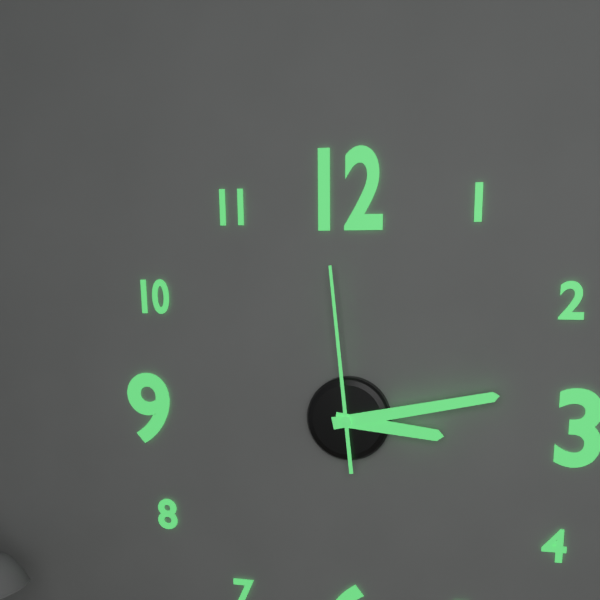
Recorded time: 3.13.59
